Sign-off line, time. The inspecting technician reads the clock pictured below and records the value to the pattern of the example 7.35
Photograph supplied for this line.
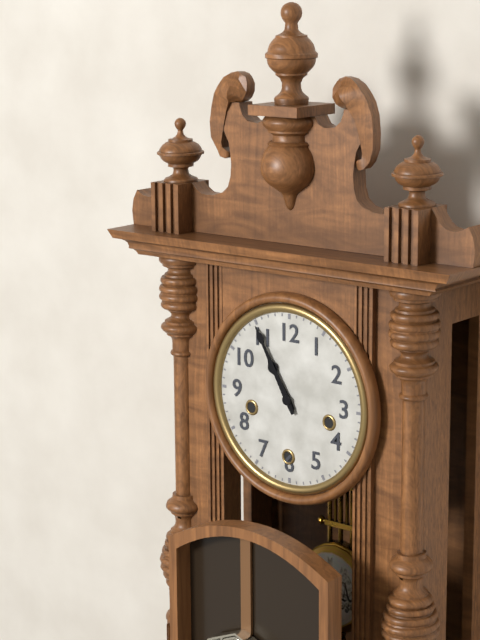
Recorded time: 10.55
